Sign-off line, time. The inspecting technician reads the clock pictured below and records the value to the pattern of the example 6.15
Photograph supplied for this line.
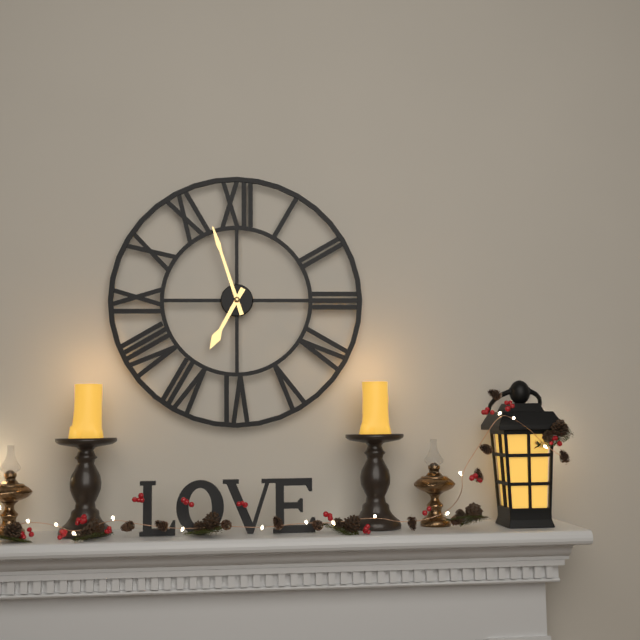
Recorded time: 6.57
